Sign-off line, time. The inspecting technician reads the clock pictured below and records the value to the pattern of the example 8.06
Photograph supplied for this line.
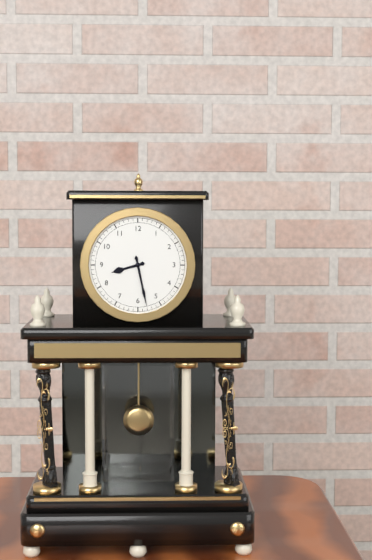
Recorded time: 8.28
